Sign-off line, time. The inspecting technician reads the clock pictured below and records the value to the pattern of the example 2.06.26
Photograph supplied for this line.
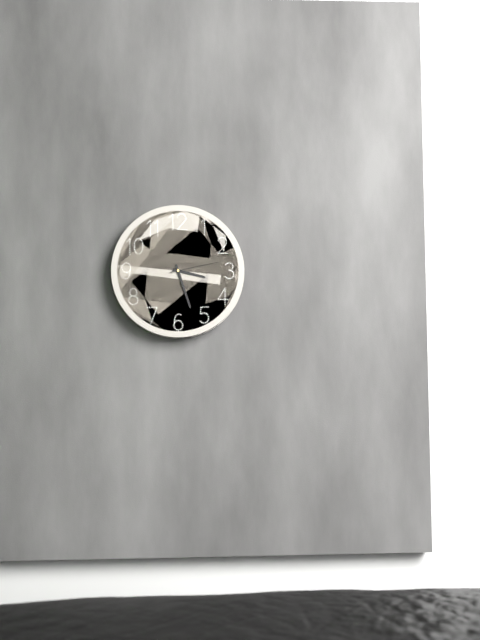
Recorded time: 3.27.13
